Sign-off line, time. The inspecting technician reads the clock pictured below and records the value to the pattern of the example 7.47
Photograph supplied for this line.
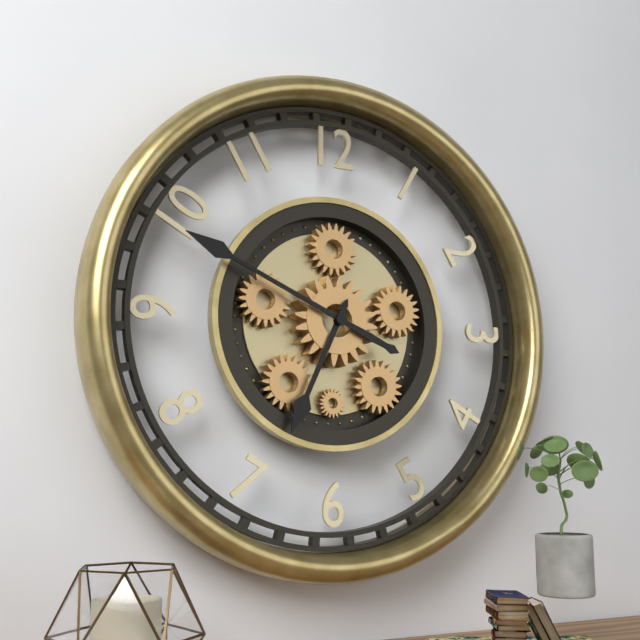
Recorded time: 6.49
